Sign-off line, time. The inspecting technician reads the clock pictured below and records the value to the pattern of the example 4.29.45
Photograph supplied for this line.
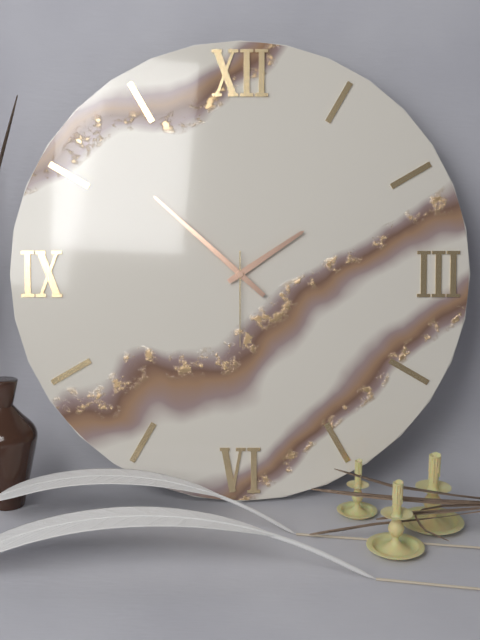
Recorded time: 1.52.30
